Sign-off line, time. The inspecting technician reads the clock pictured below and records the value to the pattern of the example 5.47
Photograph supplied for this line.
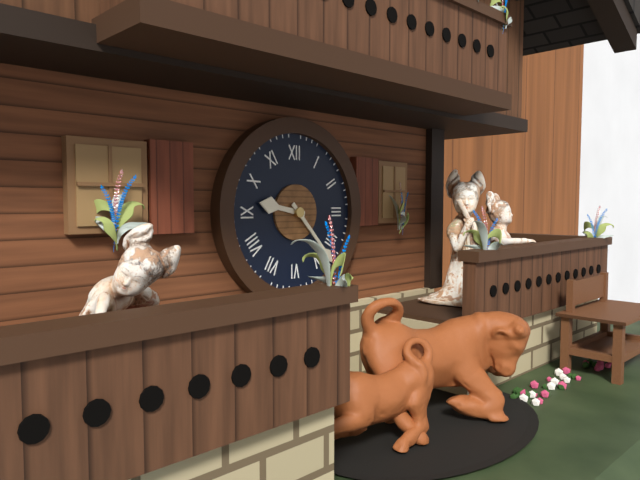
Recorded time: 9.23
